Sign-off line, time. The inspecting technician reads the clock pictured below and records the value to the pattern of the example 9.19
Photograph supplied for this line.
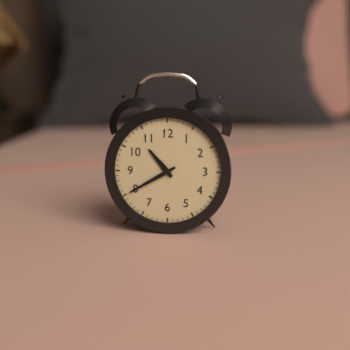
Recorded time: 10.40
